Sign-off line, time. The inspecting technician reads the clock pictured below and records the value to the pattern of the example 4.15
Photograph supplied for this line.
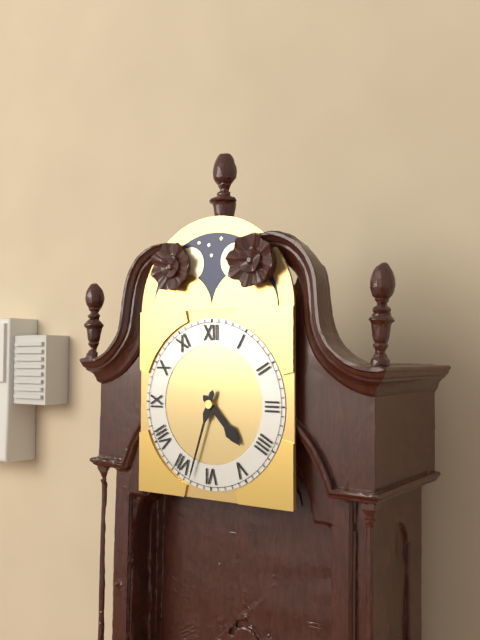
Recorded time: 4.33
